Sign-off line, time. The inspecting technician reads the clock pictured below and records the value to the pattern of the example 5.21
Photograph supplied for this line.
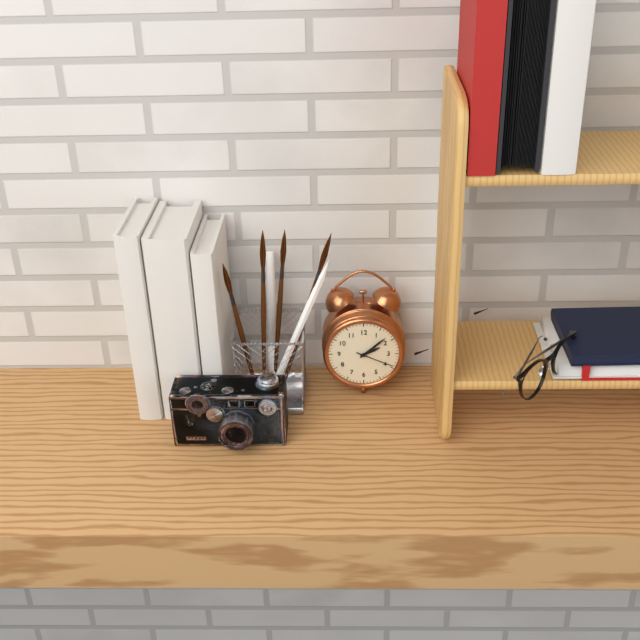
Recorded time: 2.08
